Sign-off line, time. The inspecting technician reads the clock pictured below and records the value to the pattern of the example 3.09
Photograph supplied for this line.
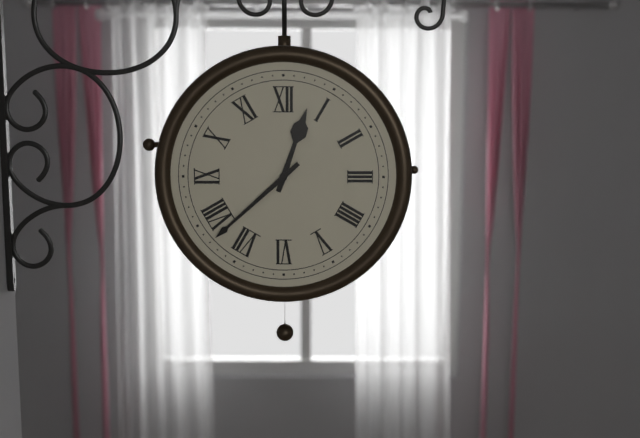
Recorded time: 12.38
